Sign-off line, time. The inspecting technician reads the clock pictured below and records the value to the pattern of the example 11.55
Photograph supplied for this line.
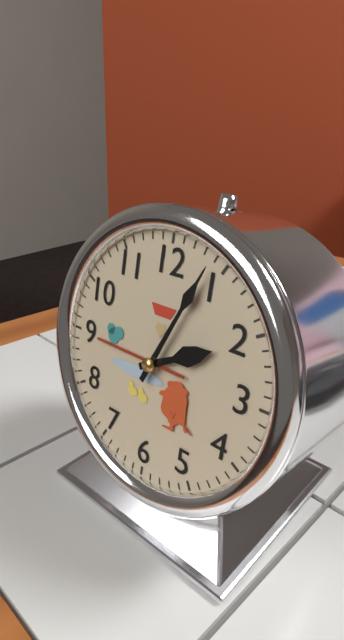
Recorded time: 2.04
